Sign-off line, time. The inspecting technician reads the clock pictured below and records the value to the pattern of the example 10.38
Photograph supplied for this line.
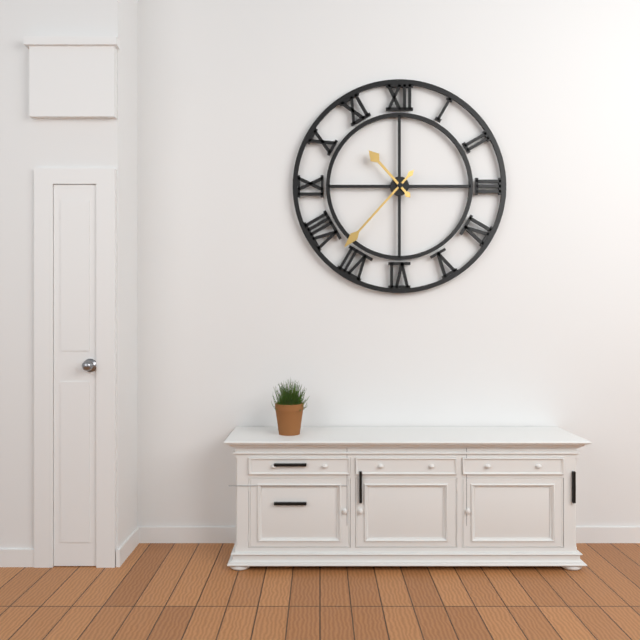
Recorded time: 10.37
